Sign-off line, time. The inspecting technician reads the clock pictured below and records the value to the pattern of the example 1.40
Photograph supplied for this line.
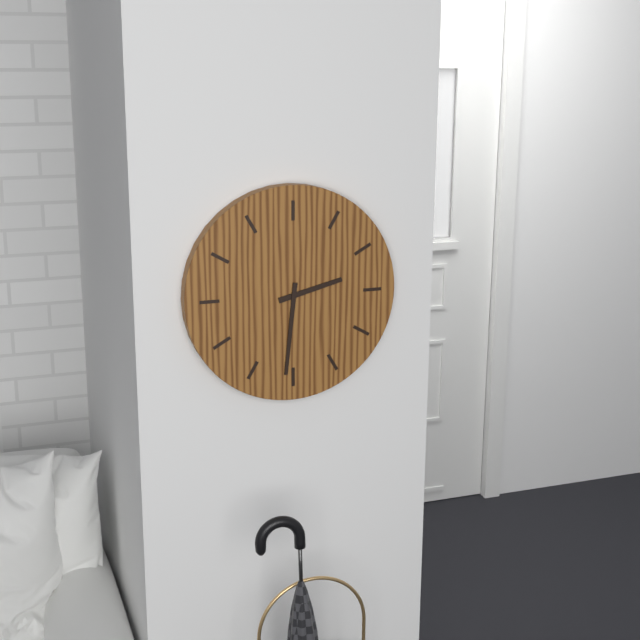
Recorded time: 2.31
